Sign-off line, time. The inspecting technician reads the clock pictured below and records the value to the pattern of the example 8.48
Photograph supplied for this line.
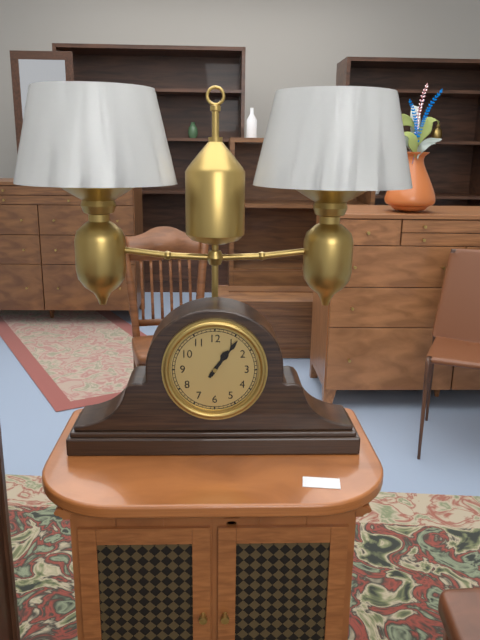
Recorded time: 1.06
